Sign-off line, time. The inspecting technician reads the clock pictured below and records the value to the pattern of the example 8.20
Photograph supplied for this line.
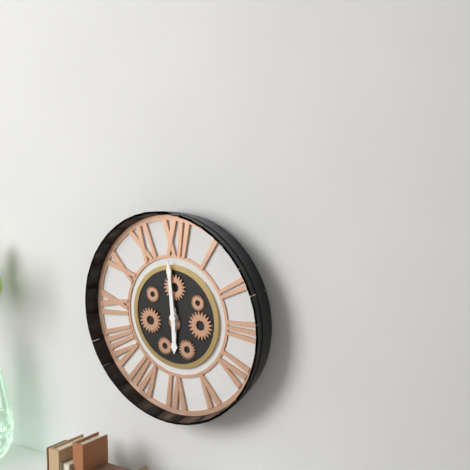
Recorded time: 5.59
